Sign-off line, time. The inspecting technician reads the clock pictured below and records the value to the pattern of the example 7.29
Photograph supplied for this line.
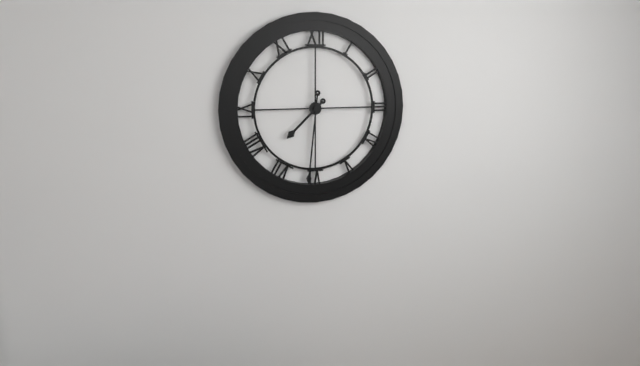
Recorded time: 7.31
